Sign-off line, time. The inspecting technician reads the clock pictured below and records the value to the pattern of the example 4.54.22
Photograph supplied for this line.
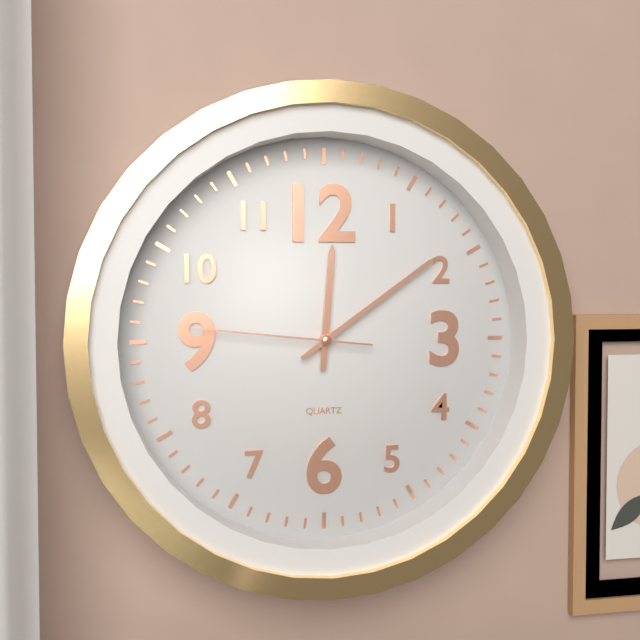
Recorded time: 12.09.46
